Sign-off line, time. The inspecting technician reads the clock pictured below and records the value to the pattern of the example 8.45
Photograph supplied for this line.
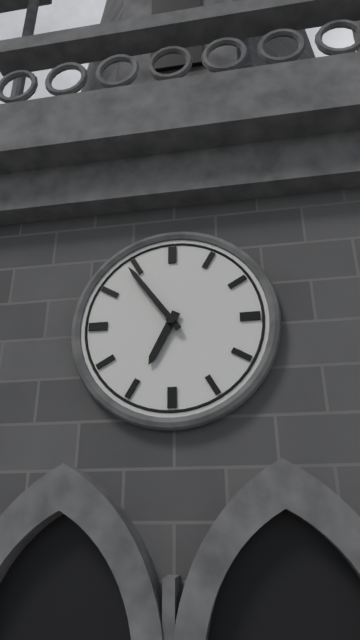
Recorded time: 6.54
